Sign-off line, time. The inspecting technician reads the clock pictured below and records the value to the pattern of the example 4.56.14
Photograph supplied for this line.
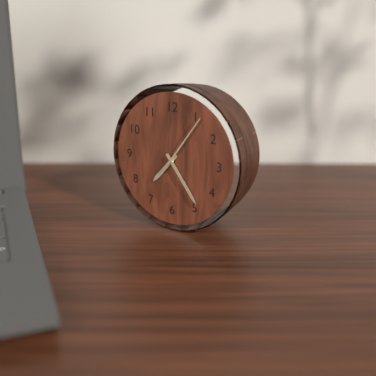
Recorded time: 7.24.06
